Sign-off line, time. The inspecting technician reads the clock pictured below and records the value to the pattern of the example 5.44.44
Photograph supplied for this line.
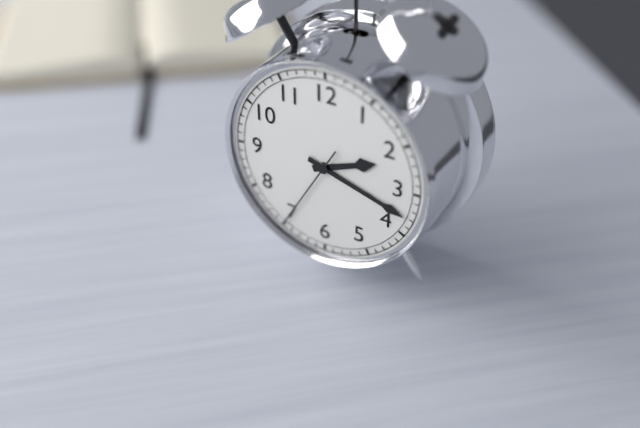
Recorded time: 2.18.35
